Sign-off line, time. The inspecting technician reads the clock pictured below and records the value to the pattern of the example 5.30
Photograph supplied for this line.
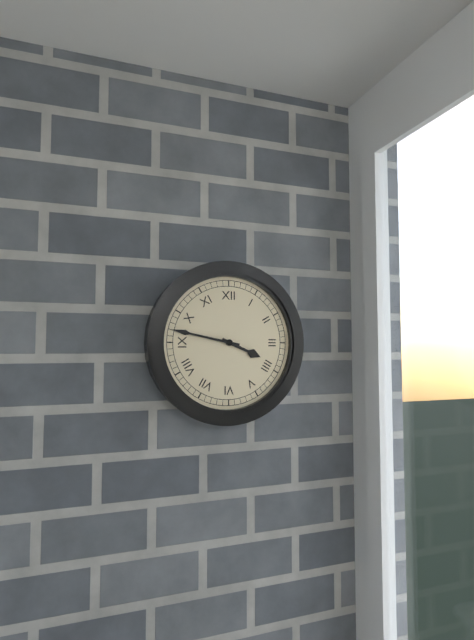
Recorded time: 3.47
